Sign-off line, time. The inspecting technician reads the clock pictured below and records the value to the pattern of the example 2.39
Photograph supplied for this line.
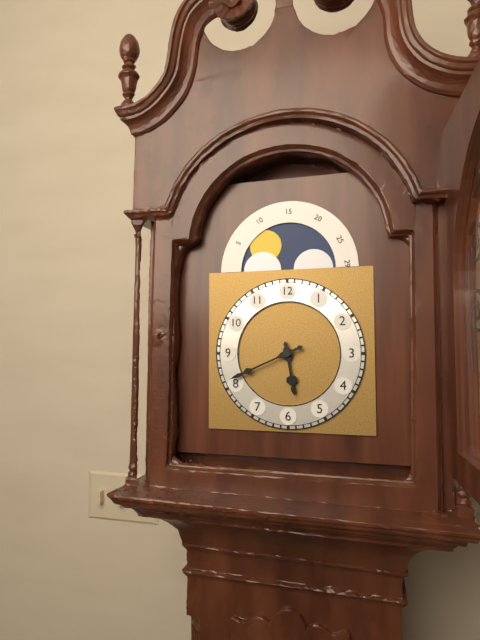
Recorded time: 5.41
